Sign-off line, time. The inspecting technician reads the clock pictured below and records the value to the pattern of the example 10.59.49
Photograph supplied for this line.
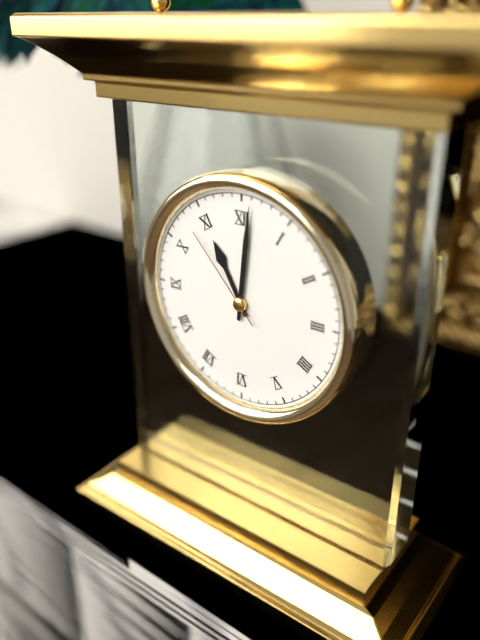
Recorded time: 11.01.53
